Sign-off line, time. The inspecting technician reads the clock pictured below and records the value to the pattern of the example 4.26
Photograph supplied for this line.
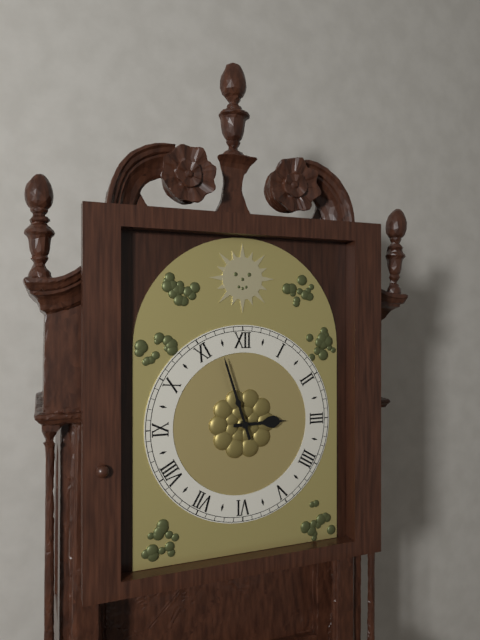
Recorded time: 2.57
